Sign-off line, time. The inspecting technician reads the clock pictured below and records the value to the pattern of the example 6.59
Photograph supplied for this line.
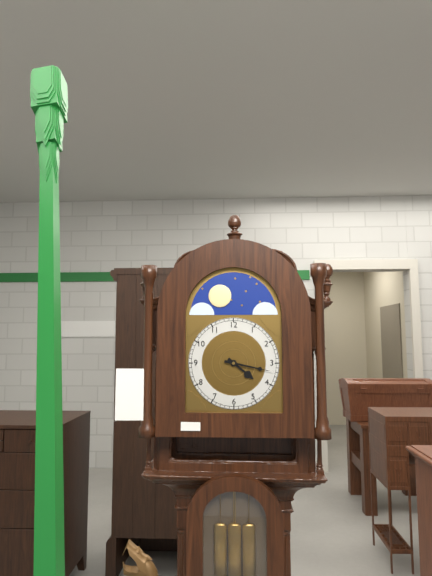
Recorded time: 4.17
